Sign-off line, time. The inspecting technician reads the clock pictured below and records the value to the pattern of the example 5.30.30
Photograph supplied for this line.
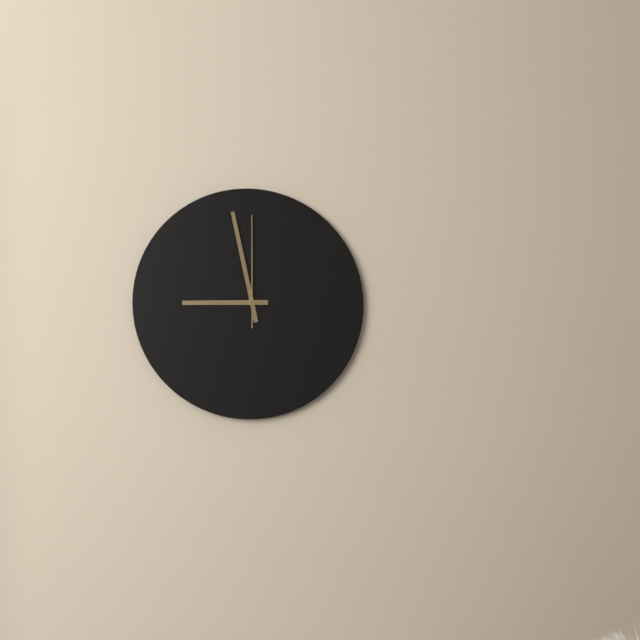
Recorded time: 8.58.00
